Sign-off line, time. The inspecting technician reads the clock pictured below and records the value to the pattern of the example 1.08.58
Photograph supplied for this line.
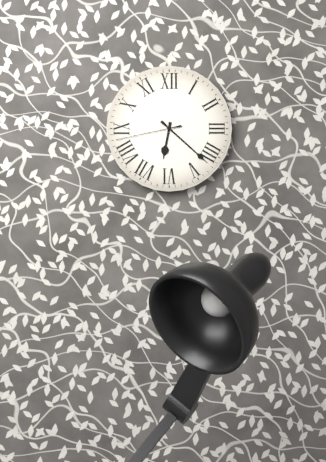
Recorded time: 6.22.43
